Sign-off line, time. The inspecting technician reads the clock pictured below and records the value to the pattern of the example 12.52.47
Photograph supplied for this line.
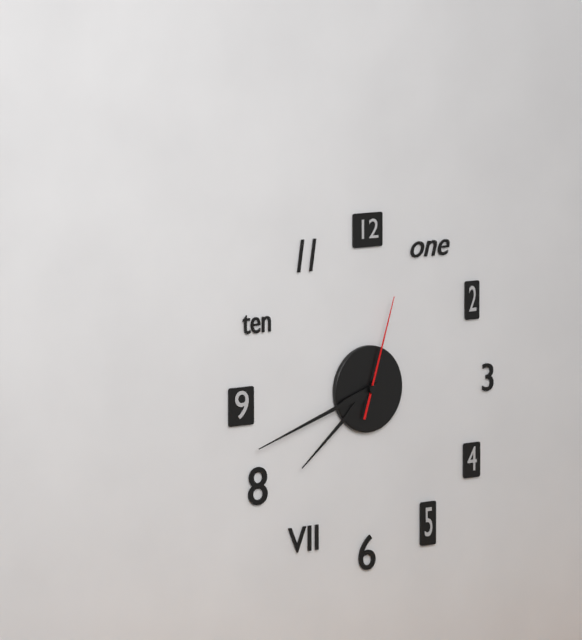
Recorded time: 7.42.03
